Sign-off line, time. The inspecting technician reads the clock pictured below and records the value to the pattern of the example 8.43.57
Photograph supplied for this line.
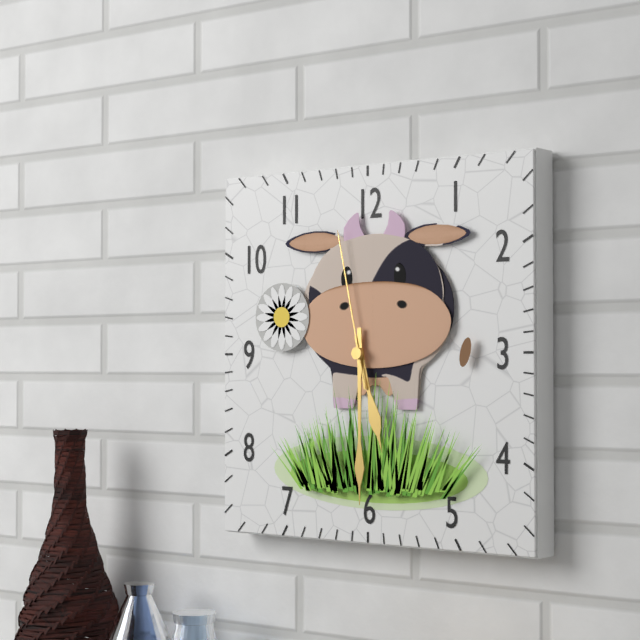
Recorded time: 5.30.58
